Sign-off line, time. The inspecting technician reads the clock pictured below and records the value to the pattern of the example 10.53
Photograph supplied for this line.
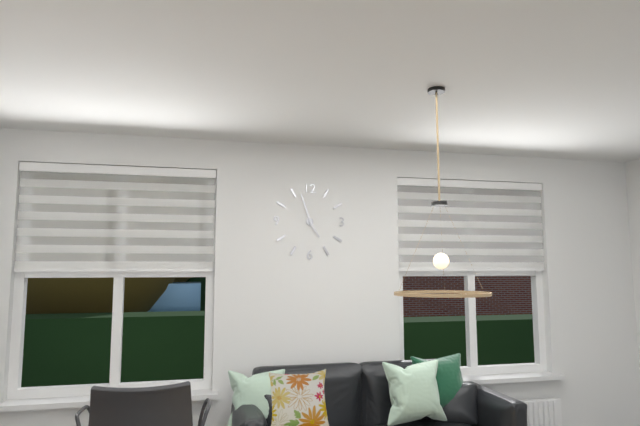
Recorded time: 4.57
